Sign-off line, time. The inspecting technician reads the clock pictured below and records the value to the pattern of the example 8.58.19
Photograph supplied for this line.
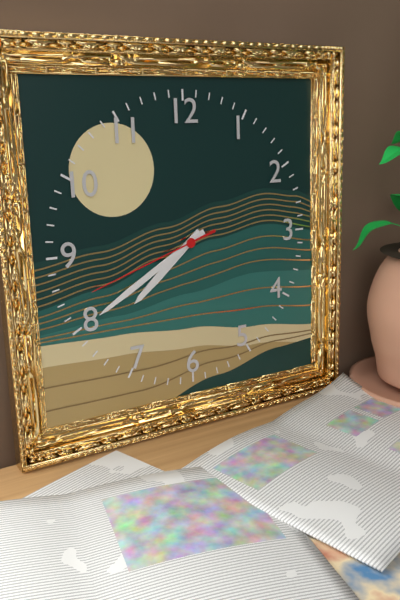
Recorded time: 7.40.42
